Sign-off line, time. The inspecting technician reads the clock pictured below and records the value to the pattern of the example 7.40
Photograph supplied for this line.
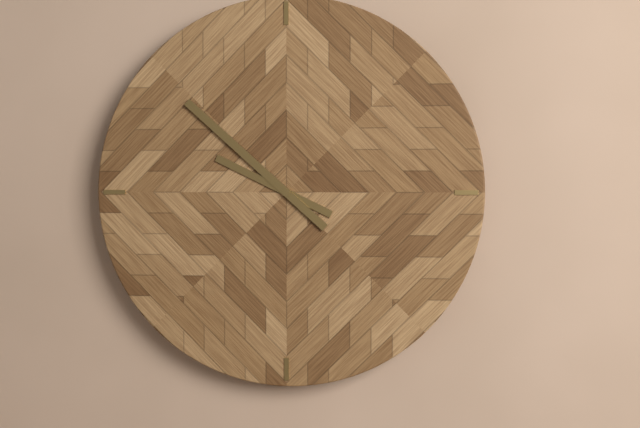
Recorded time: 9.52
